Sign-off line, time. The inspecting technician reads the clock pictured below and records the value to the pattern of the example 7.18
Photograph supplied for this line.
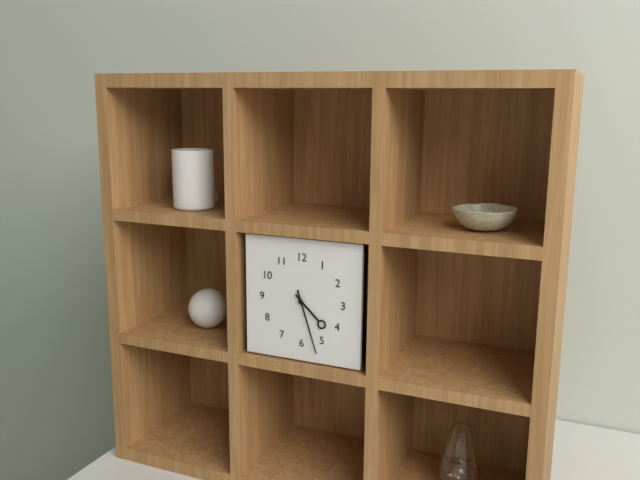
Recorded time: 4.27
